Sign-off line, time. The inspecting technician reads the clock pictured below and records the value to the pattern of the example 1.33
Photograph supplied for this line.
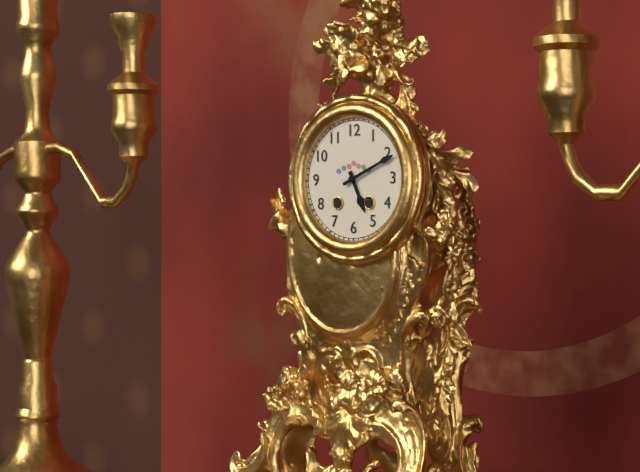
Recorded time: 5.11
